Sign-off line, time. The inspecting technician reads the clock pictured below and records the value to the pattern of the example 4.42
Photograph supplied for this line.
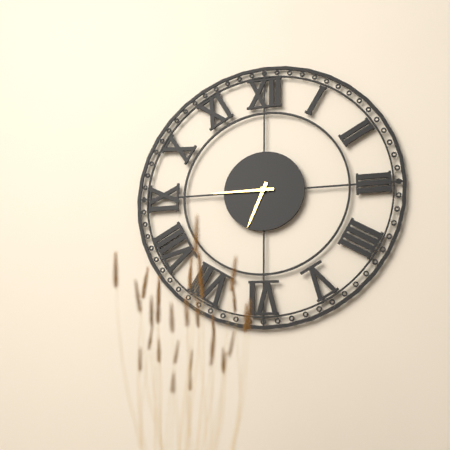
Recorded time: 6.45
